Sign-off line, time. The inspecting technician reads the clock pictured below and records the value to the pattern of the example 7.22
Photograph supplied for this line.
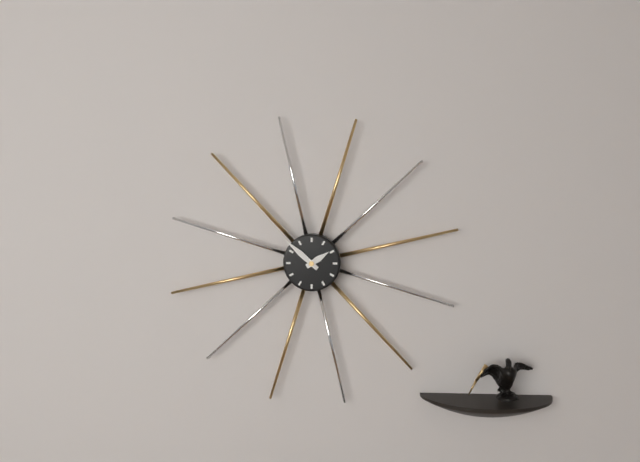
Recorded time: 1.52
